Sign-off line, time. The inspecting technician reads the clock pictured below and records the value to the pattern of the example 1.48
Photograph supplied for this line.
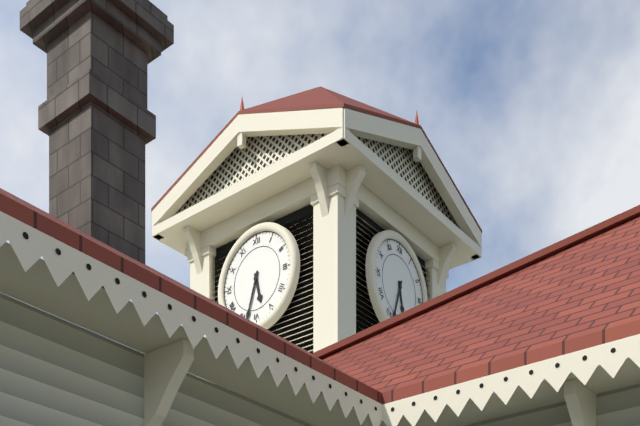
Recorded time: 5.33
